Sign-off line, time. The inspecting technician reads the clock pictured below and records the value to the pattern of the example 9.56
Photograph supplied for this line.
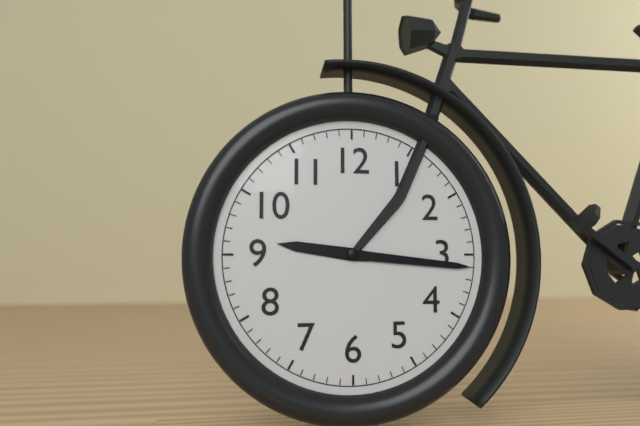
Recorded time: 9.16
